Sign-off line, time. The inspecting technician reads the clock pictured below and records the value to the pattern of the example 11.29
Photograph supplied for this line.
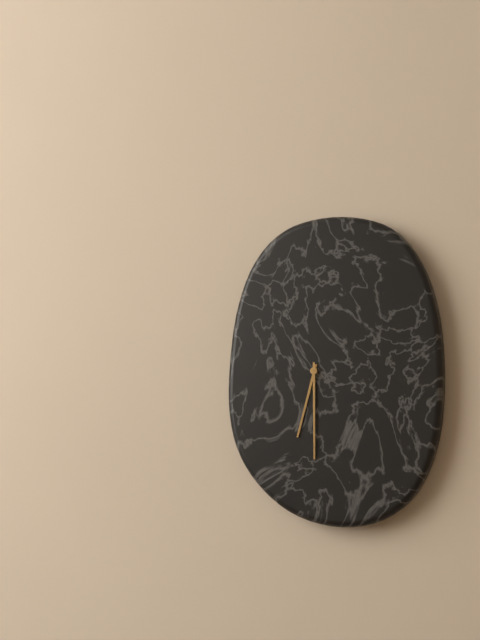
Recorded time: 6.30
